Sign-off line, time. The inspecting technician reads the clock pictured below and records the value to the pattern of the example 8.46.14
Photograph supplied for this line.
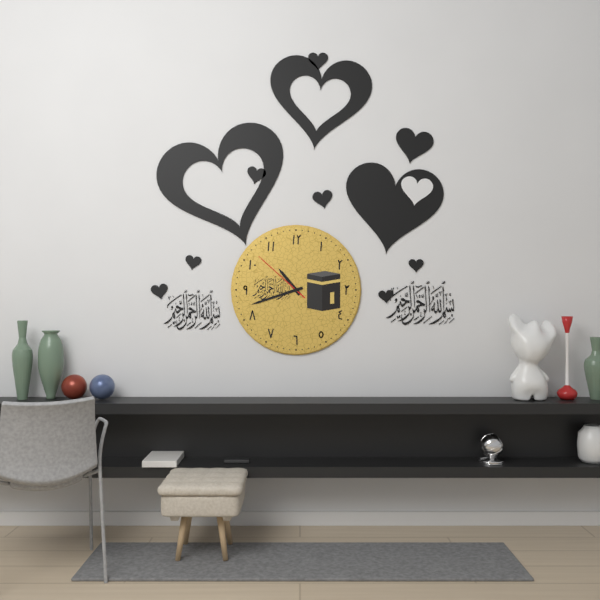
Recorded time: 10.42.52
